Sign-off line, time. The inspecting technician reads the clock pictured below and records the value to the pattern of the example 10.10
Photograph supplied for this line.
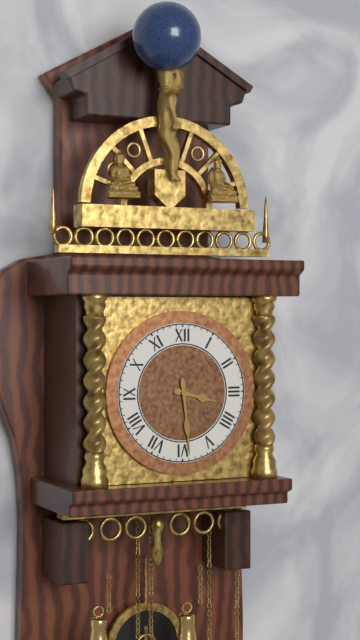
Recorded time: 3.29
